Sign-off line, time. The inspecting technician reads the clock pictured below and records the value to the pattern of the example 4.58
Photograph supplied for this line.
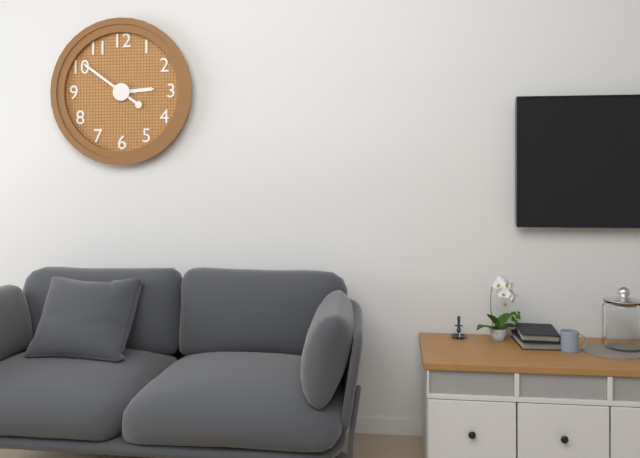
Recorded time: 2.51
